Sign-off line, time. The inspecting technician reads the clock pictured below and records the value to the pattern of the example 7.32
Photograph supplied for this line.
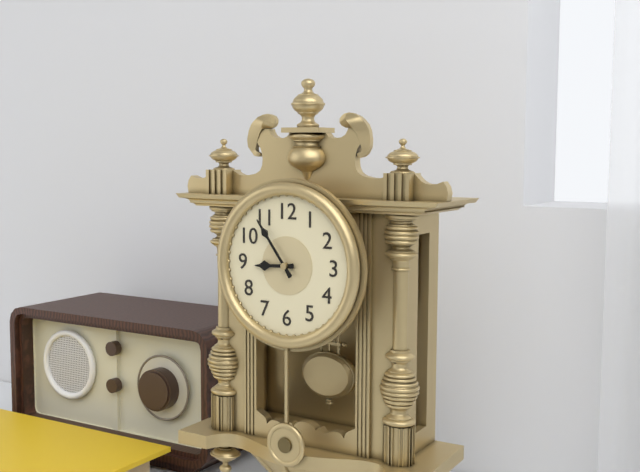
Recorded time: 8.54
